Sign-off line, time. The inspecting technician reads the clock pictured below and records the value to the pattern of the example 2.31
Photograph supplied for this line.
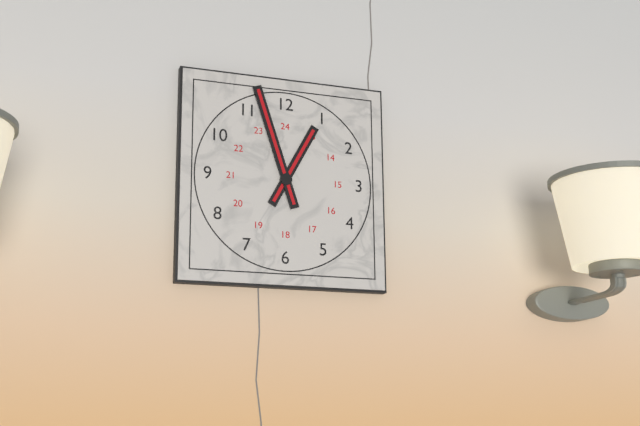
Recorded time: 12.57
